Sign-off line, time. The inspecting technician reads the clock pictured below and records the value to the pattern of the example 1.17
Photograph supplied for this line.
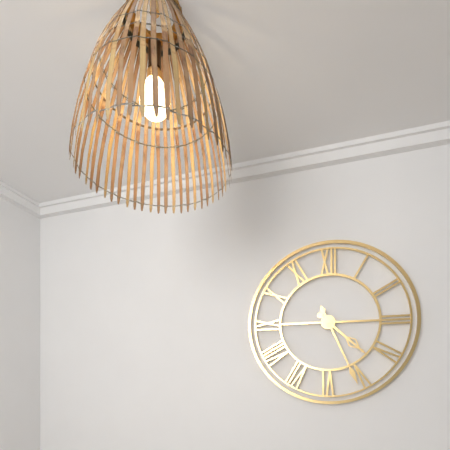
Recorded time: 4.26
